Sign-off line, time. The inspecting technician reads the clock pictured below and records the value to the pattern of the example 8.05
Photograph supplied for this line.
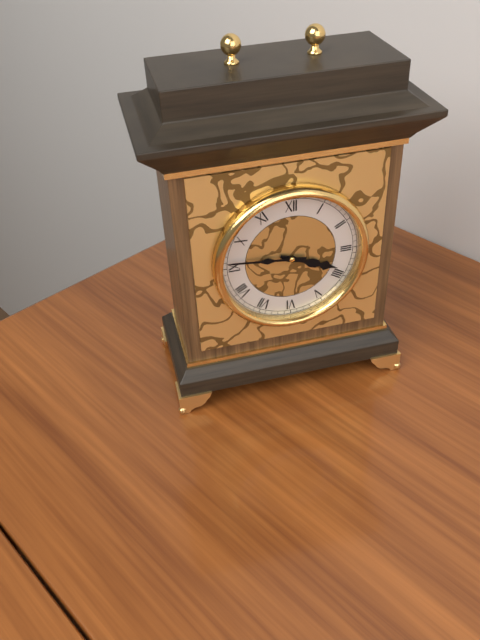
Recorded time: 3.46
